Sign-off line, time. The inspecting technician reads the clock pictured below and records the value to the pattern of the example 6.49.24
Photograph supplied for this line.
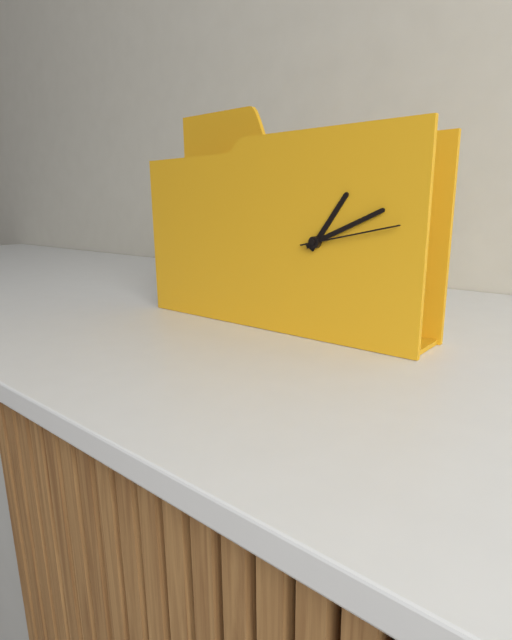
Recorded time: 1.11.13
